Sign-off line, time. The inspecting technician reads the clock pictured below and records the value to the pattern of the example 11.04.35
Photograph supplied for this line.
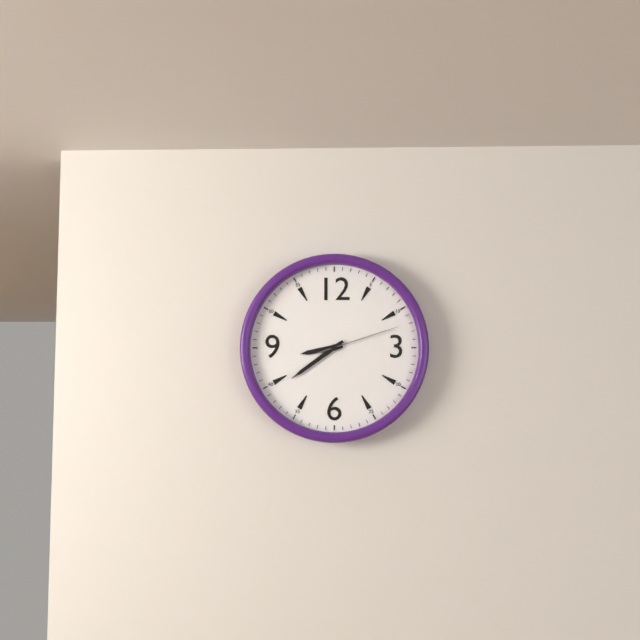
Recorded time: 8.39.12
